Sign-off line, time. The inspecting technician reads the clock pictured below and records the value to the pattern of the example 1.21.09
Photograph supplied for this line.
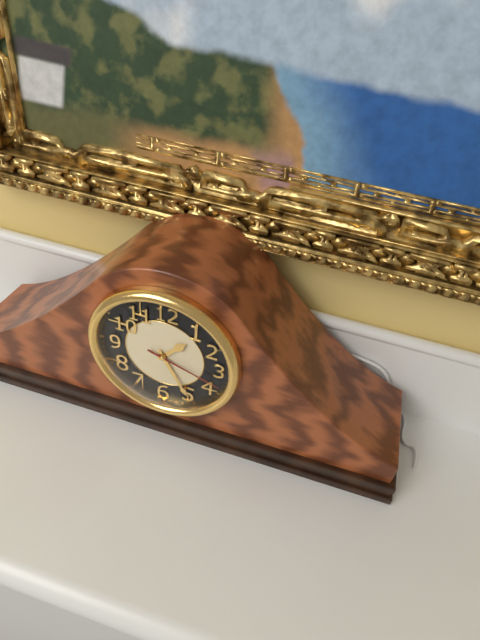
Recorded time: 1.25.18
